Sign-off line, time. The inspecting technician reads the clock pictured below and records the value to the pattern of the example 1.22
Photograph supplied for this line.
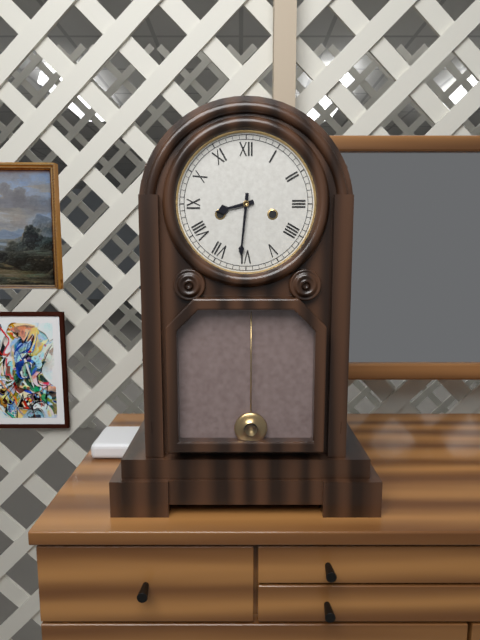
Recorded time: 8.31
